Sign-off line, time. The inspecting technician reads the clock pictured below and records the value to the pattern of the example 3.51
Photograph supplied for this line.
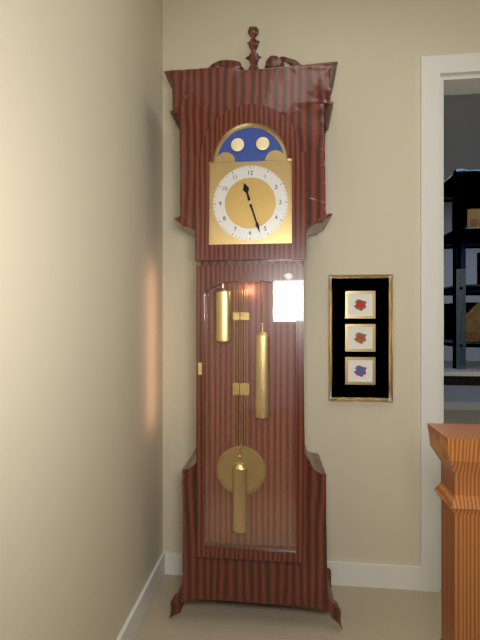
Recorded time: 11.27
